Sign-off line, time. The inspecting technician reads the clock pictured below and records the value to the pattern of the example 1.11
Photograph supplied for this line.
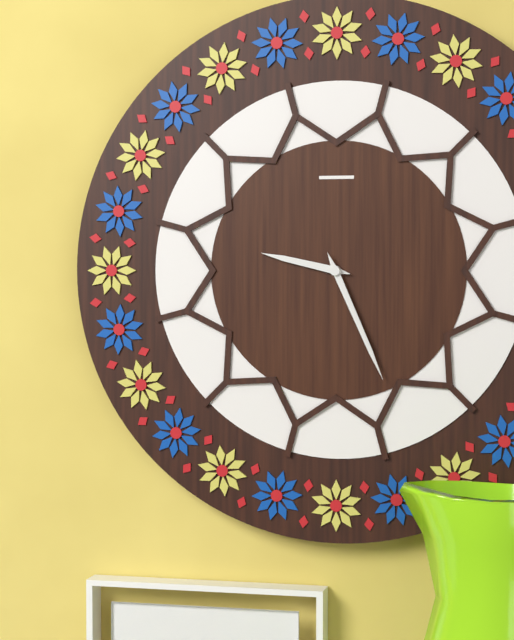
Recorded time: 9.26
